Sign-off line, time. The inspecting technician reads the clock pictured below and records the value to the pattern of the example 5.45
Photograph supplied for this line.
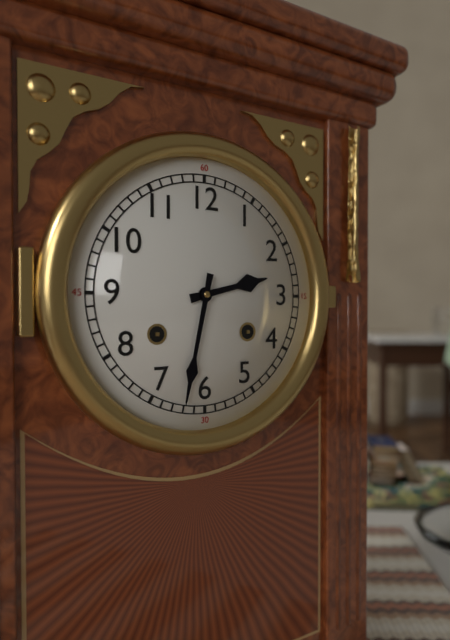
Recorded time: 2.32
